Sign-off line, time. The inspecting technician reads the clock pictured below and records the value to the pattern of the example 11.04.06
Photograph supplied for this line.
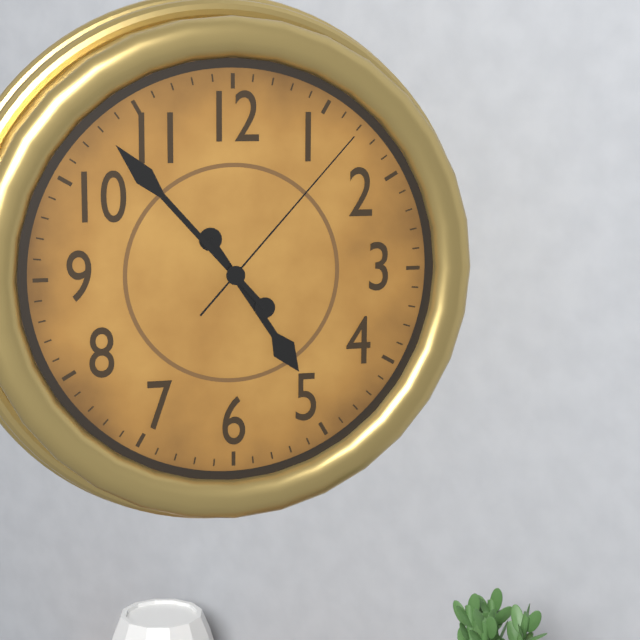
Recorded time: 4.53.07
